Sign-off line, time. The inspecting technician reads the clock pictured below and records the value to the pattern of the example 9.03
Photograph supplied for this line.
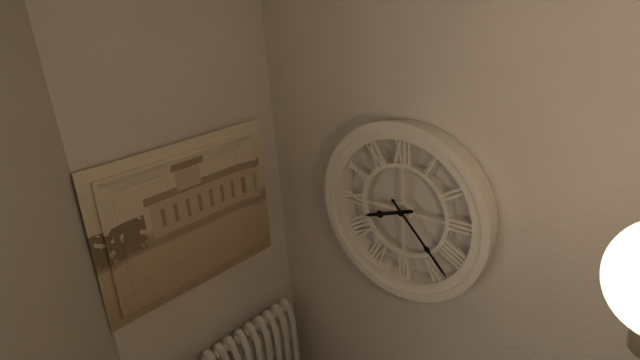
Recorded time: 8.23
